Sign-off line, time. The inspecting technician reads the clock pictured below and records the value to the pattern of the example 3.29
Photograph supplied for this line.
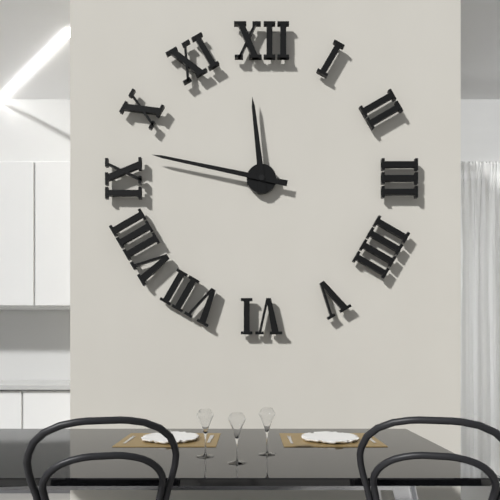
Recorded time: 11.47
